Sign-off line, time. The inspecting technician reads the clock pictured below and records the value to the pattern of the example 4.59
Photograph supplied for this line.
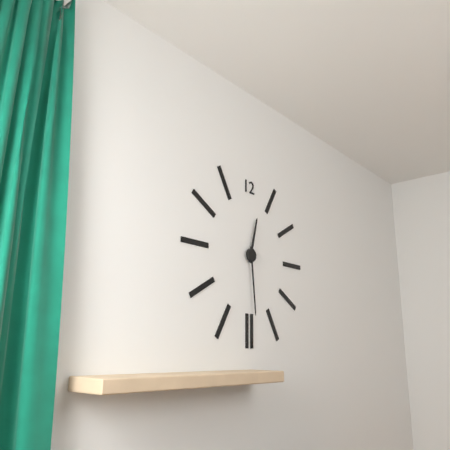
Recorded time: 12.29
